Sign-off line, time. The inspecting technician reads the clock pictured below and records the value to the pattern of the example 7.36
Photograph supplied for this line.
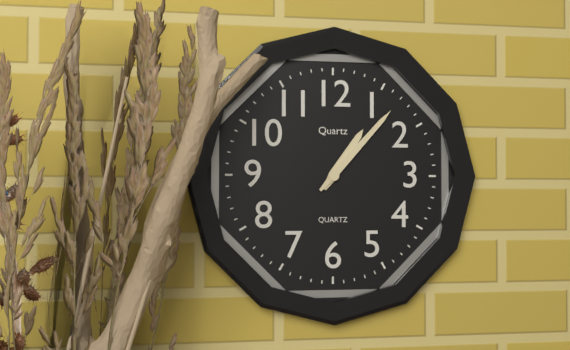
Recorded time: 1.07
